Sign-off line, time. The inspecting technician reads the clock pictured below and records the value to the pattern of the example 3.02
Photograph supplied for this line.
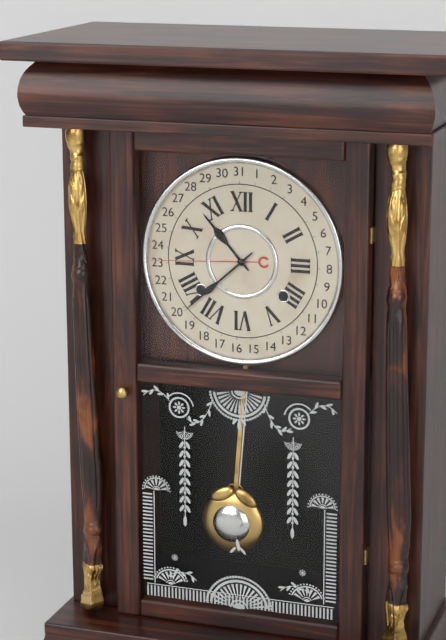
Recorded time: 10.38
